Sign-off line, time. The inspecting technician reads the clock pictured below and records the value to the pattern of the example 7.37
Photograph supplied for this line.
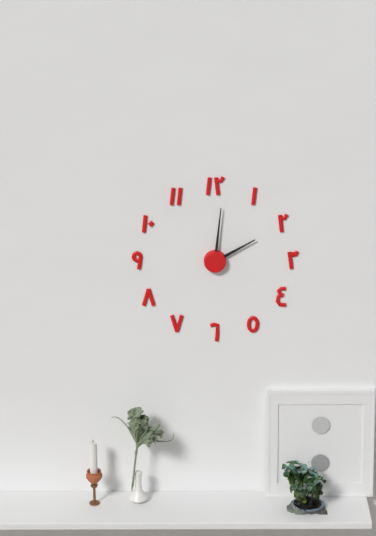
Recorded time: 2.01
